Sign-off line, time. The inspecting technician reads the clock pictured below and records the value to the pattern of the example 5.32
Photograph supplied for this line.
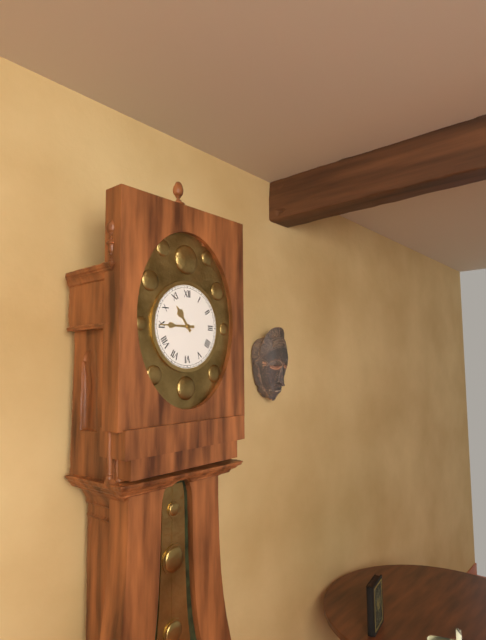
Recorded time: 10.45
